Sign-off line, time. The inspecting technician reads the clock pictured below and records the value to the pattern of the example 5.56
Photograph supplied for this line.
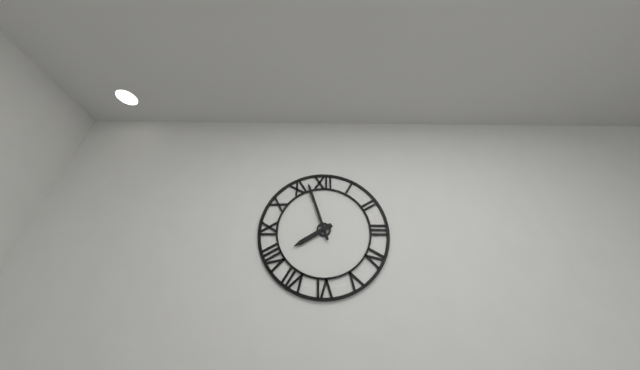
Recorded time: 7.57
